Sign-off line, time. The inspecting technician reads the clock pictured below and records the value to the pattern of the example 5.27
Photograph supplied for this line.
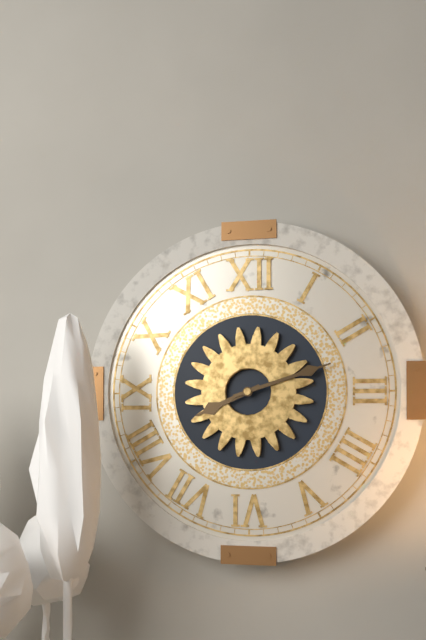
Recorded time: 8.12
